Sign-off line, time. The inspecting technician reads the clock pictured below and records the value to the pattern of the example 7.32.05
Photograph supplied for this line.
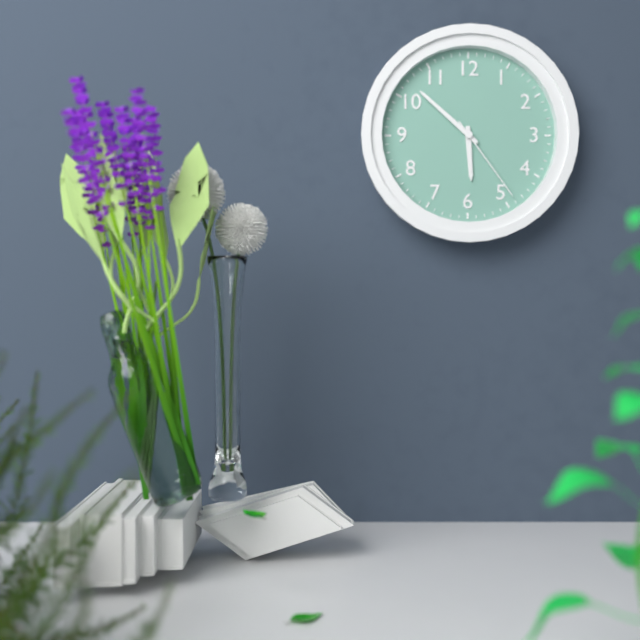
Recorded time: 5.52.24
